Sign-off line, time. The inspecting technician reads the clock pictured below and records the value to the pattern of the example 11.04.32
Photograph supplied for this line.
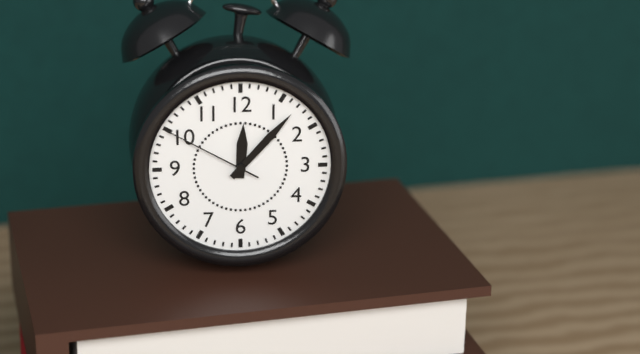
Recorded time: 12.07.50
